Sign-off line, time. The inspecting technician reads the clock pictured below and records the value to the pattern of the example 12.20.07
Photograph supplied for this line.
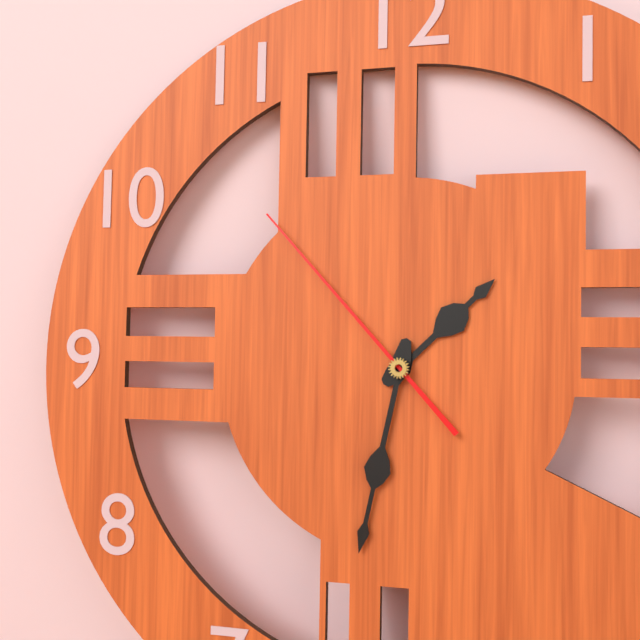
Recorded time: 1.32.53
